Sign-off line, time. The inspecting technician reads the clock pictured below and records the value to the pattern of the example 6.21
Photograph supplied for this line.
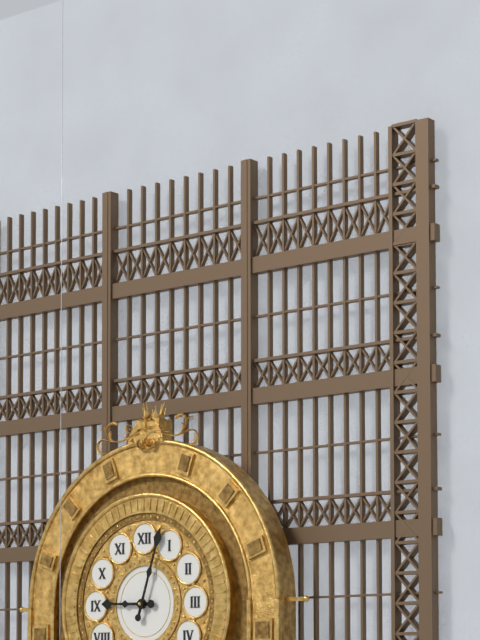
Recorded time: 9.03
